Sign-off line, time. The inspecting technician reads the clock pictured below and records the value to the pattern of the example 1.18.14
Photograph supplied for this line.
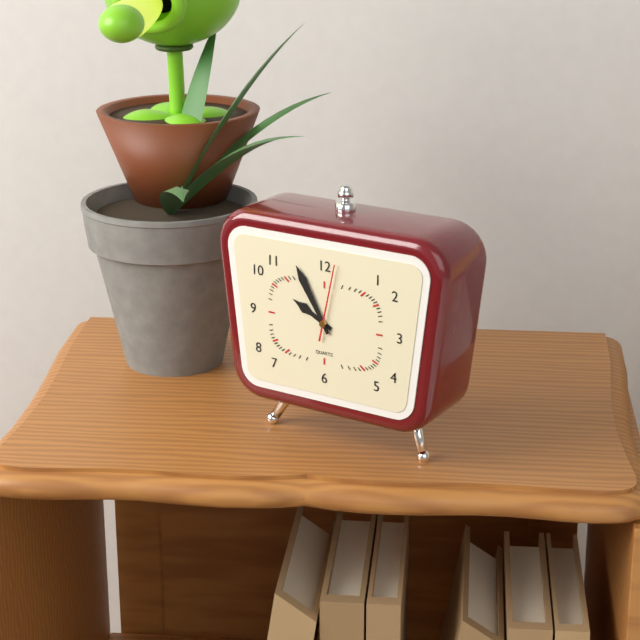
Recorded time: 9.55.02
